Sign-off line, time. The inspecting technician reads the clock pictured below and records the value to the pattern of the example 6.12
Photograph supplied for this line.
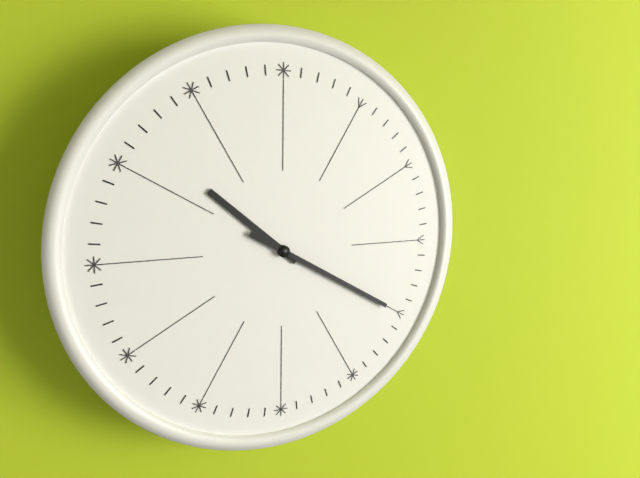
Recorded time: 10.20
